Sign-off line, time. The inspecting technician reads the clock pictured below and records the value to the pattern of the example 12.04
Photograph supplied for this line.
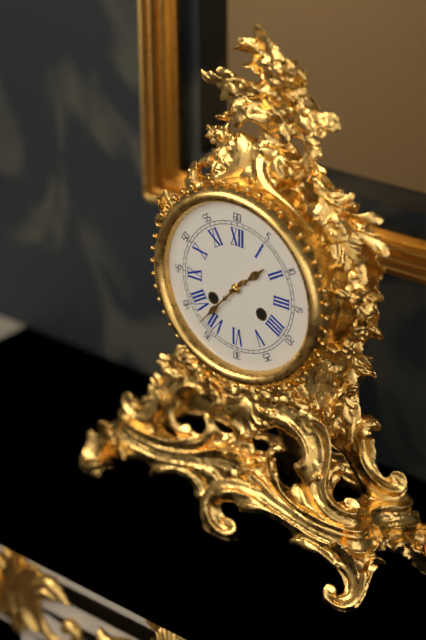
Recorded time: 1.37
